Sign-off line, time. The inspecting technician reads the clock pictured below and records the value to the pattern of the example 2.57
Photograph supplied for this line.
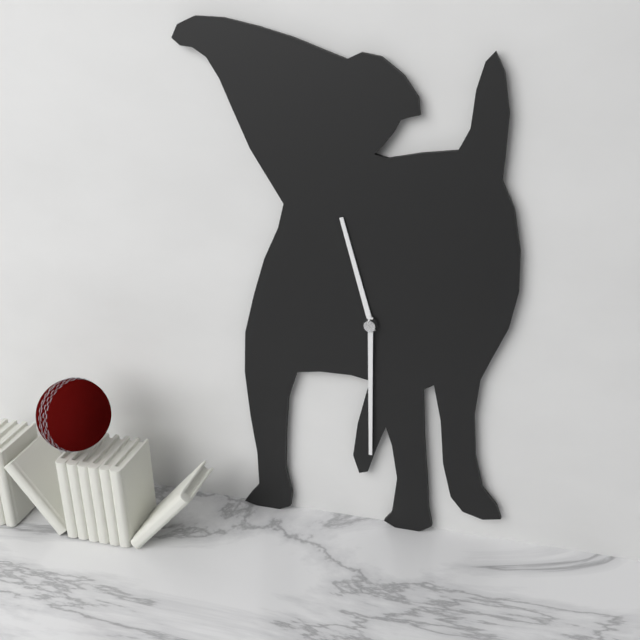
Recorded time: 11.30
